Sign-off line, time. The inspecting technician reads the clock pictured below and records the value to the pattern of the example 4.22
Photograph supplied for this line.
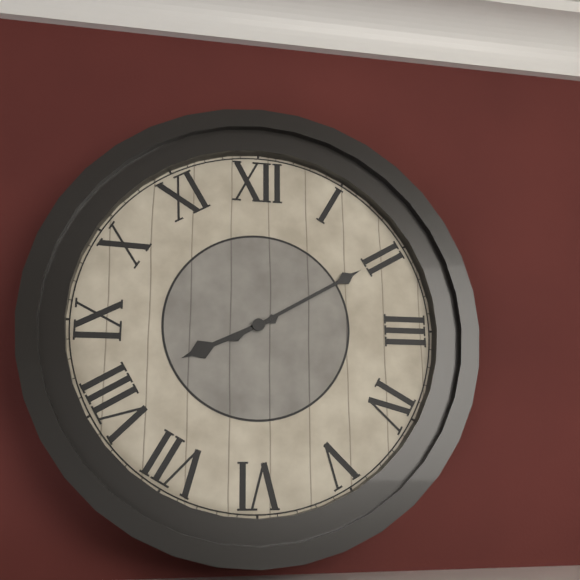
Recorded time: 8.10
